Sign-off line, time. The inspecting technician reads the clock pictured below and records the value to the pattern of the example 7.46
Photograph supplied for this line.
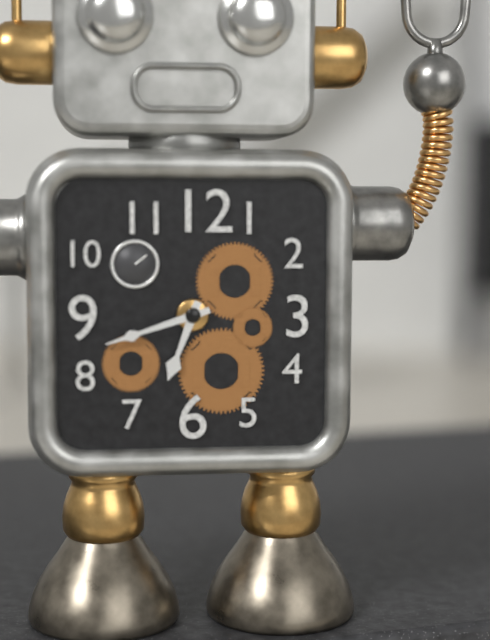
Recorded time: 6.42
